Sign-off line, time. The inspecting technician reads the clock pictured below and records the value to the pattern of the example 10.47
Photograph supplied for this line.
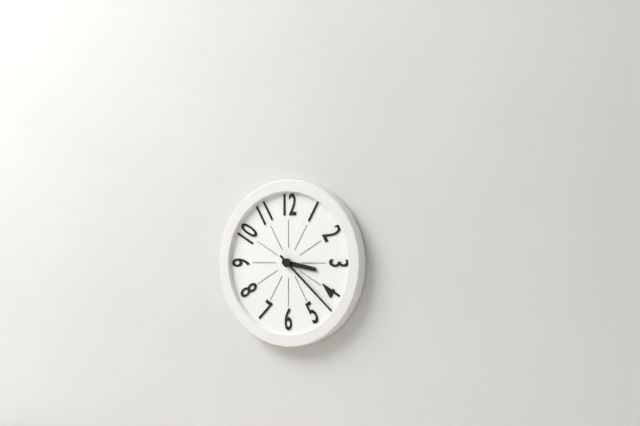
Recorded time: 3.22
